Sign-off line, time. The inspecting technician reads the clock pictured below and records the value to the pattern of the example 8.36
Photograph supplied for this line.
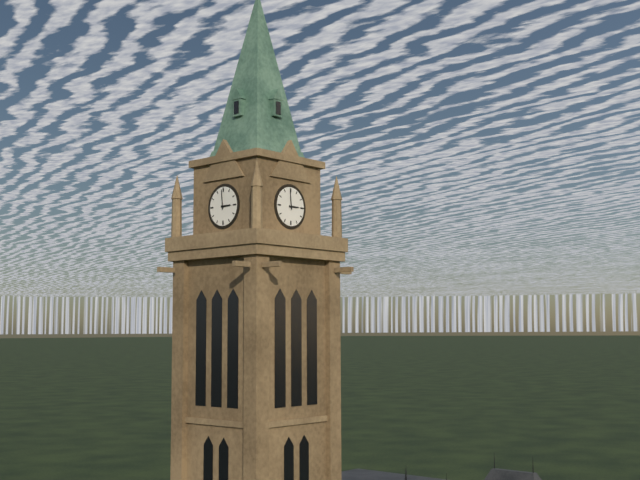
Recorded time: 2.59
